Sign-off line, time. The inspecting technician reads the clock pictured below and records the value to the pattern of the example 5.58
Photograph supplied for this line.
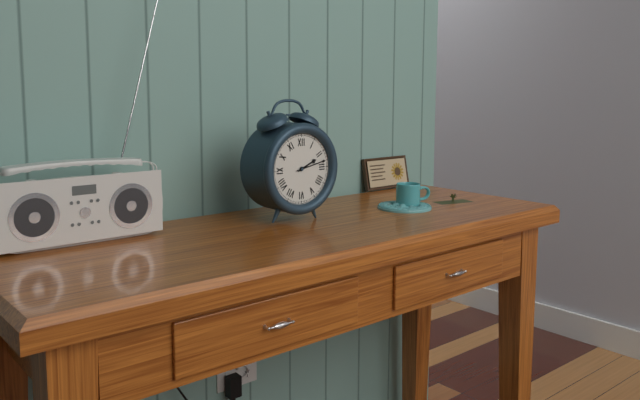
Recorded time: 2.13
